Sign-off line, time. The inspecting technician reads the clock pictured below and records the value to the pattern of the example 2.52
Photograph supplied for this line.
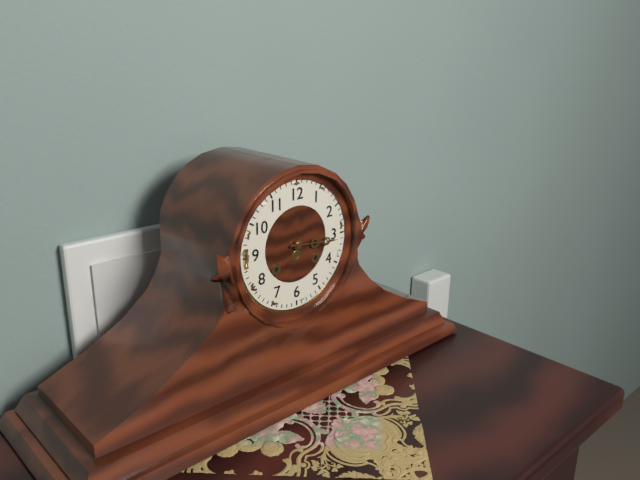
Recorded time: 3.16
